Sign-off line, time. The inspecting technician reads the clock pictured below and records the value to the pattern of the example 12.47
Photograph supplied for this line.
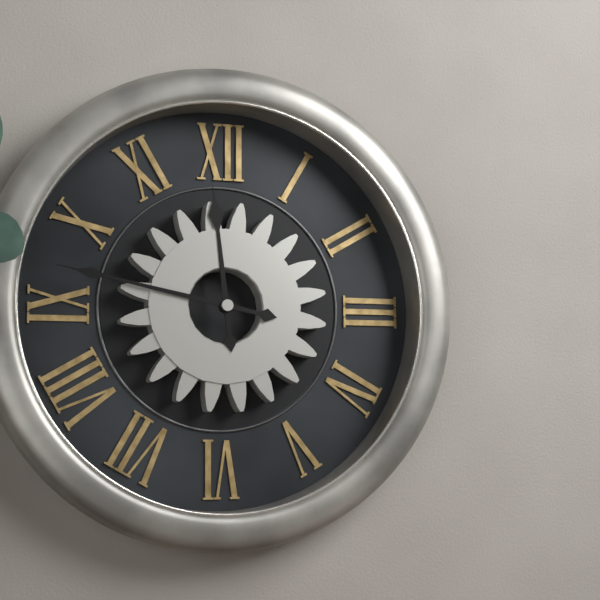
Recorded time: 11.47
